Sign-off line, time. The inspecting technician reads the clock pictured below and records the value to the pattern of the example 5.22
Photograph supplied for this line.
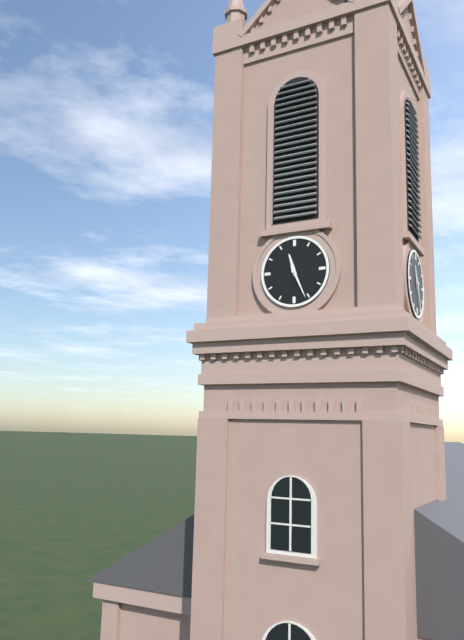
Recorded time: 11.26
